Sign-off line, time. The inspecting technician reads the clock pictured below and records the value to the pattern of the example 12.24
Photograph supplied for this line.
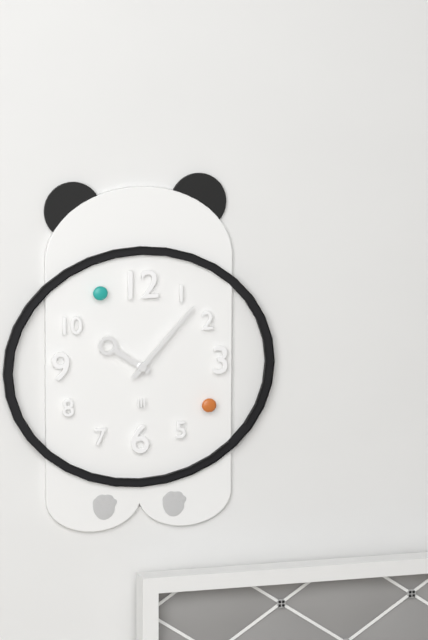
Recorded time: 10.07
